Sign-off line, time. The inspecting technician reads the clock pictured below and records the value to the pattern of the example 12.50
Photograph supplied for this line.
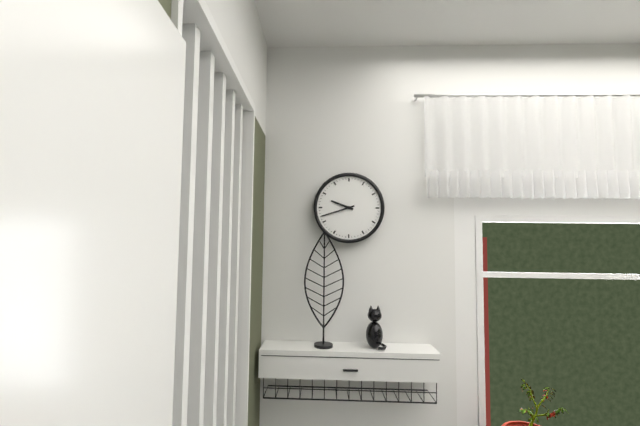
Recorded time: 9.42
